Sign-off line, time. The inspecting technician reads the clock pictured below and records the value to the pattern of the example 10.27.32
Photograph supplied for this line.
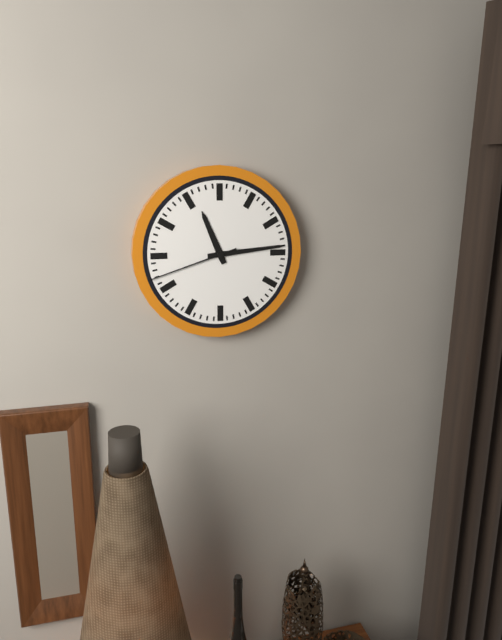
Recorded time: 11.14.42
